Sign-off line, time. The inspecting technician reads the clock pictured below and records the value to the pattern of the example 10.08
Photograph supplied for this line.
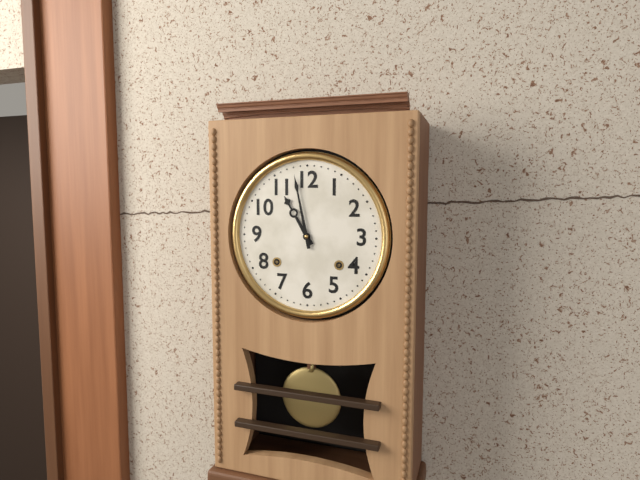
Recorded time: 10.58
